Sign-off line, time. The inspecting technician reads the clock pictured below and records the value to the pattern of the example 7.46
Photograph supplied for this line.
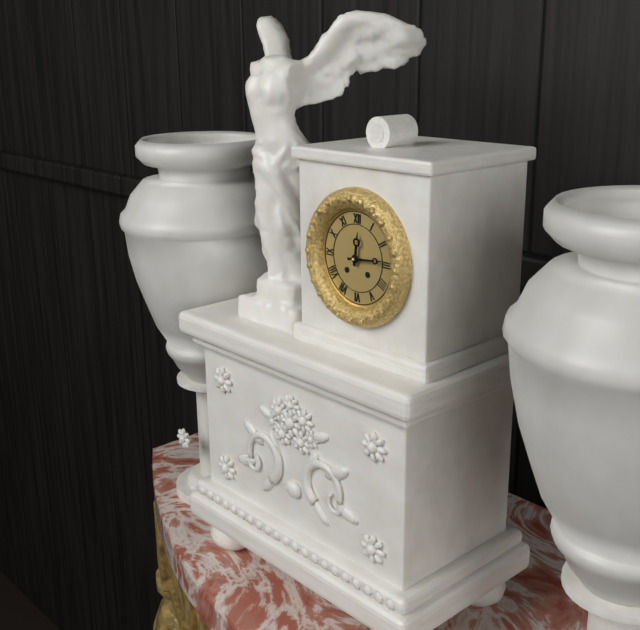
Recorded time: 12.14
